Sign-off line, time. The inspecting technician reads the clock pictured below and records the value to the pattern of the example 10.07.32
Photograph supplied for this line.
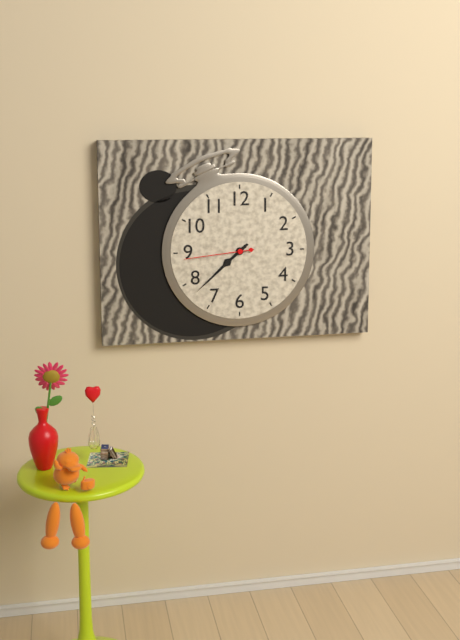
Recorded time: 7.38.44
